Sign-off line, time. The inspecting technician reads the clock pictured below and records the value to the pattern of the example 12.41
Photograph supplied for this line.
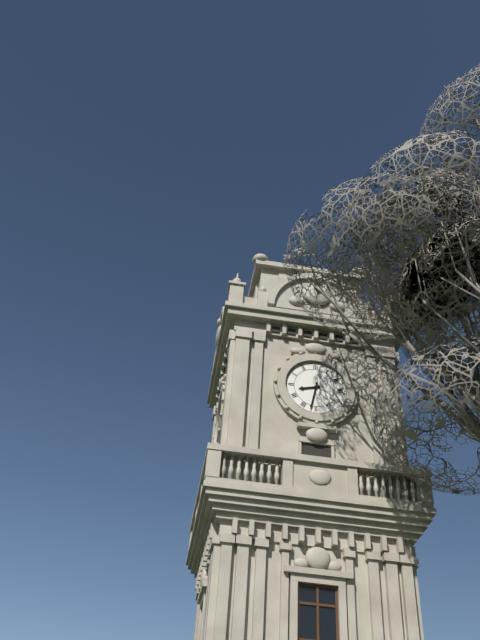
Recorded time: 8.32
